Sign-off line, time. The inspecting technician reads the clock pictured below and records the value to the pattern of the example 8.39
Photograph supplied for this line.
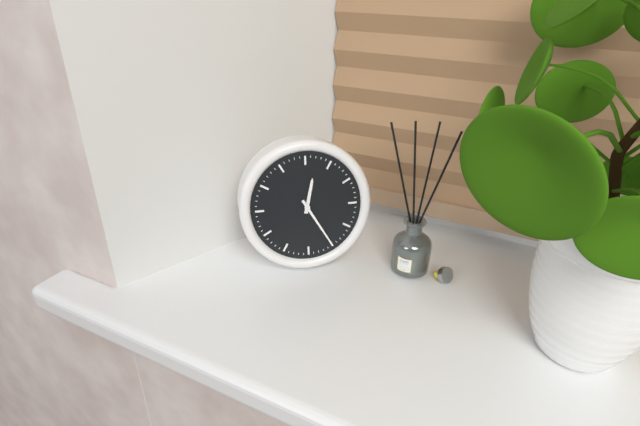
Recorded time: 12.25
